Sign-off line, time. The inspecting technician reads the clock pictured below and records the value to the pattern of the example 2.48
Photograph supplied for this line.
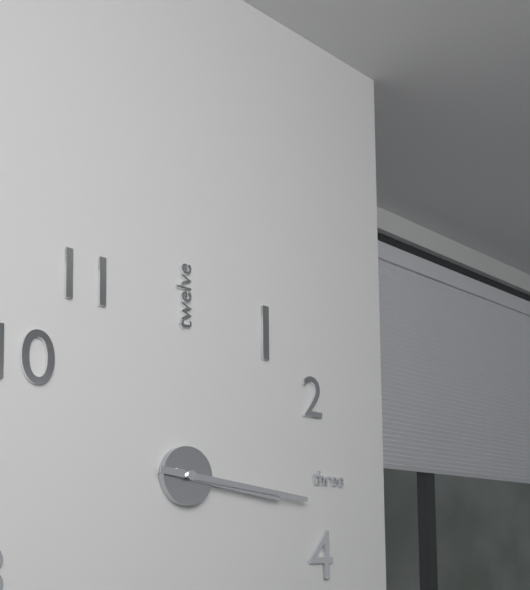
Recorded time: 3.16
